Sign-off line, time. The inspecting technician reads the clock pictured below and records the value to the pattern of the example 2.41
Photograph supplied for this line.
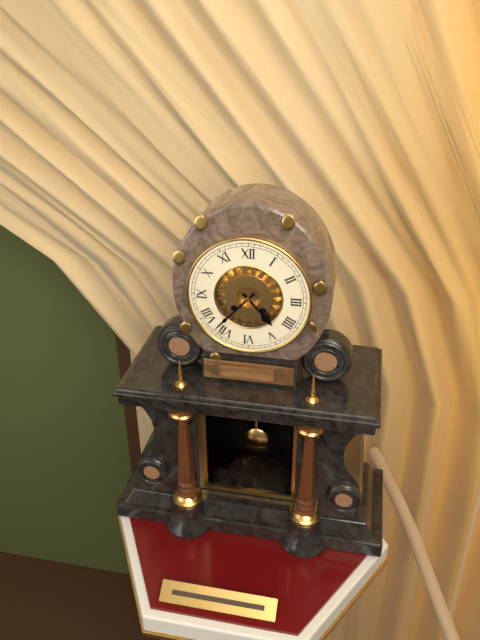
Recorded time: 4.37
